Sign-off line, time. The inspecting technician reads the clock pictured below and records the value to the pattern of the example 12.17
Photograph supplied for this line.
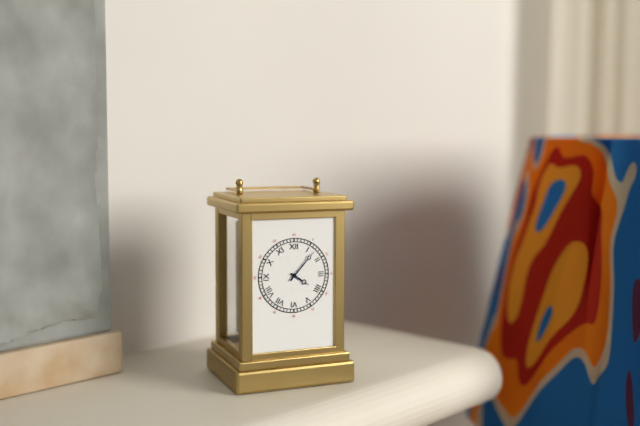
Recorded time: 4.07
